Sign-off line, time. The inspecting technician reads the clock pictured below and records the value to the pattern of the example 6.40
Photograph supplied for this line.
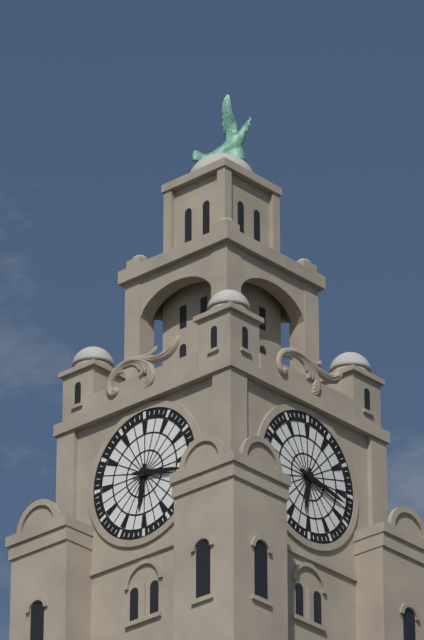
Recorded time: 6.17
